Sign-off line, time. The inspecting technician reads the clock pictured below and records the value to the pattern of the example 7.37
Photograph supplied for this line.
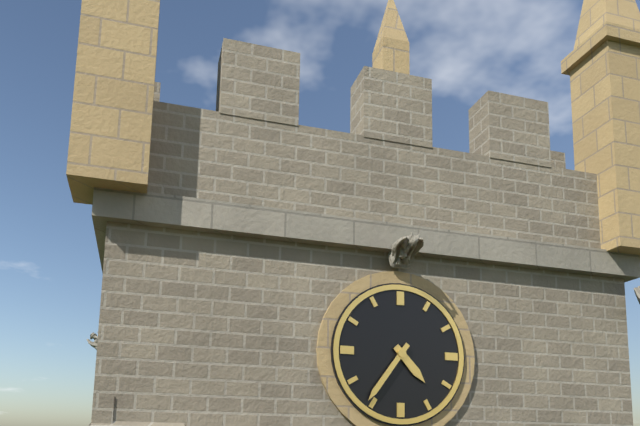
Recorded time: 4.36
